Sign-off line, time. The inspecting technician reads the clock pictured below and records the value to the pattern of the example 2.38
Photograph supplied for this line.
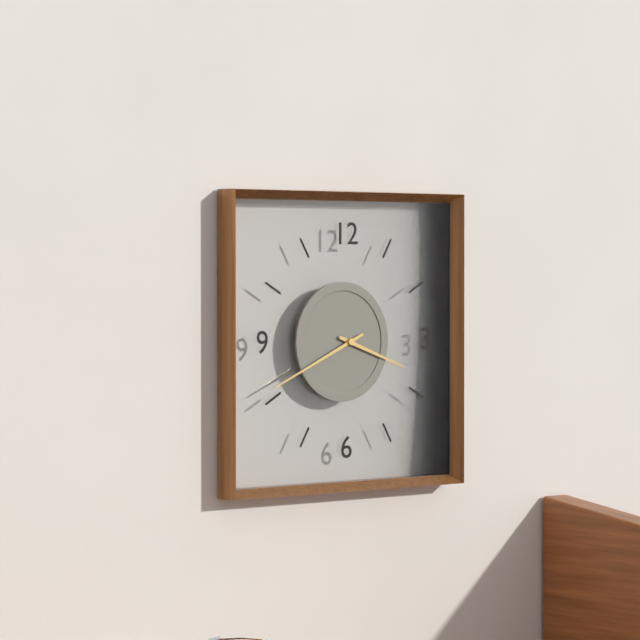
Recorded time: 3.41
